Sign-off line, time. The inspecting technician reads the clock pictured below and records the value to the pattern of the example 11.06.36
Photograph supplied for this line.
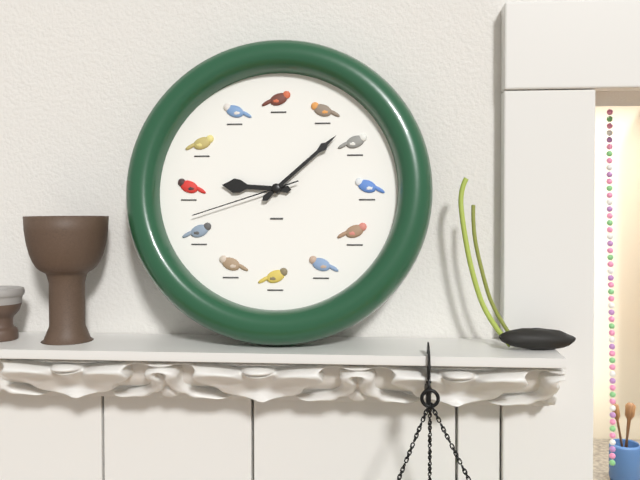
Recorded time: 9.08.42
